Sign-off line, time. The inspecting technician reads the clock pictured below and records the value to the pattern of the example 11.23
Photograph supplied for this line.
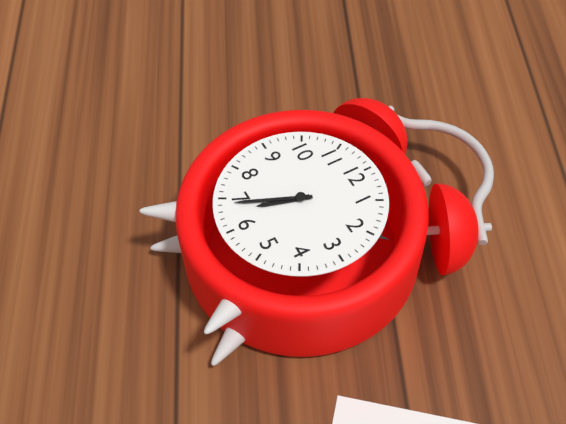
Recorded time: 6.34
